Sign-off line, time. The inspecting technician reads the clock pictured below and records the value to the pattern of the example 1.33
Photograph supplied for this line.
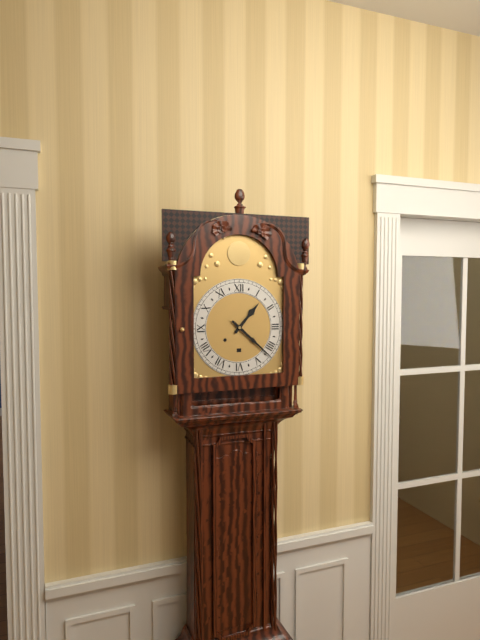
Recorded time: 1.22
